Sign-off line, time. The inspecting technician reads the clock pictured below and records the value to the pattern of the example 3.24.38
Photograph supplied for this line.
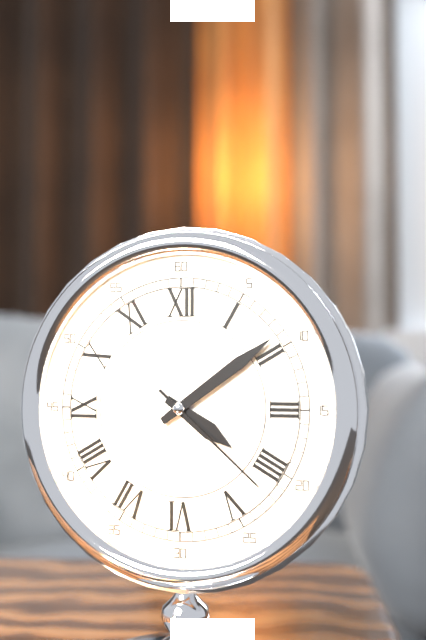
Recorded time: 4.09.22
